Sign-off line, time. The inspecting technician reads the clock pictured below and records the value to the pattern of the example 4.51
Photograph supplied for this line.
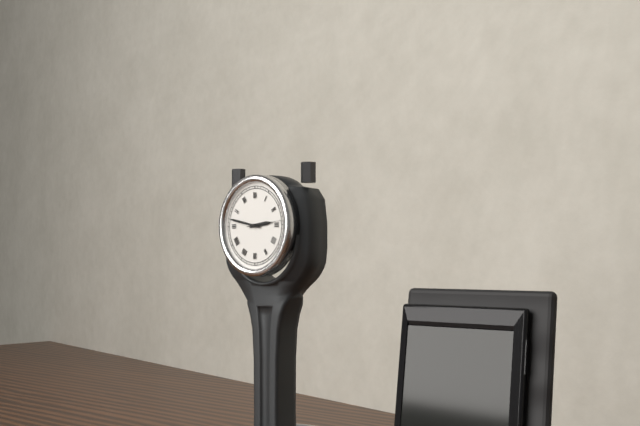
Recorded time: 2.47
